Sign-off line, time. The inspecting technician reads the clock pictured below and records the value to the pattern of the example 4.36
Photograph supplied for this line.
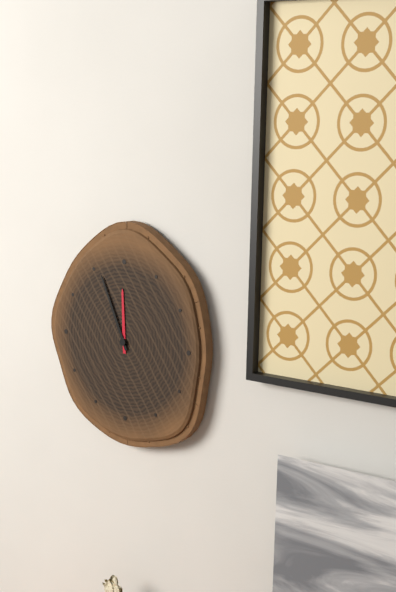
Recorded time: 11.56
